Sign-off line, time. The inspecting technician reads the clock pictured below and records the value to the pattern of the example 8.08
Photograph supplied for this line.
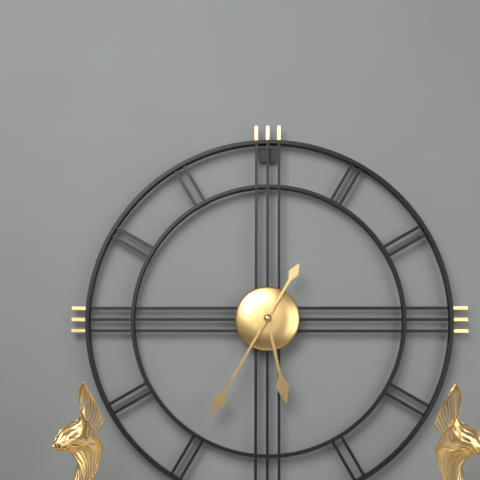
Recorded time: 5.35
